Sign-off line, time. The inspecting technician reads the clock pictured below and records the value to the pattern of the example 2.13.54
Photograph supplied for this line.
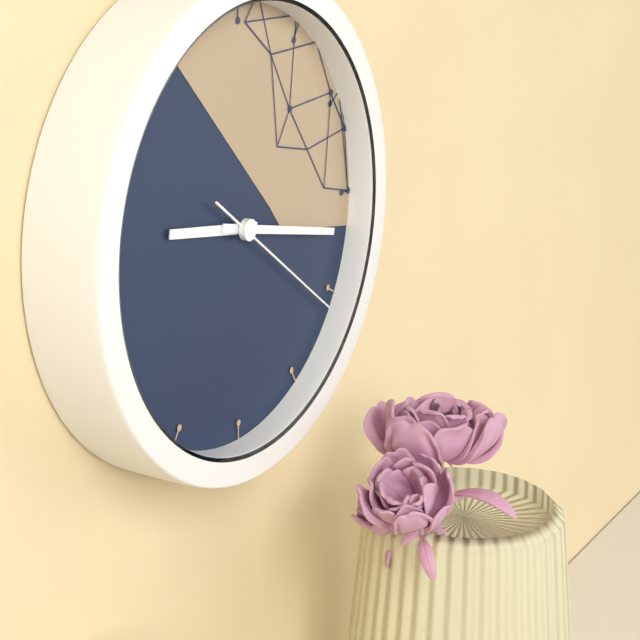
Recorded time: 9.17.21
